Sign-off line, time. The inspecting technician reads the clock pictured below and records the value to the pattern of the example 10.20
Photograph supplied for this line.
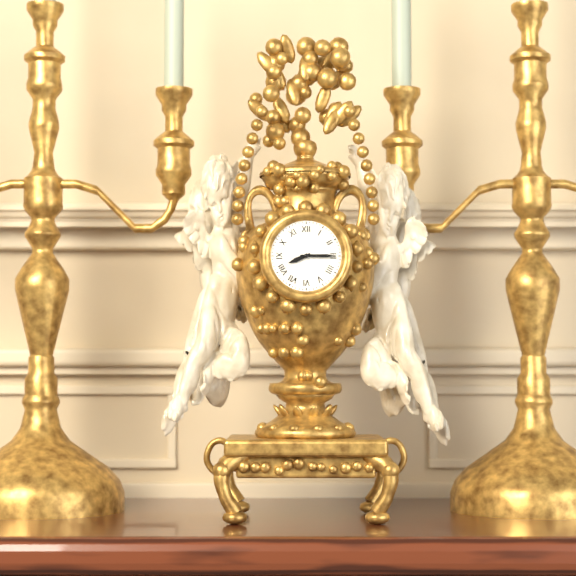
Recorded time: 8.15
